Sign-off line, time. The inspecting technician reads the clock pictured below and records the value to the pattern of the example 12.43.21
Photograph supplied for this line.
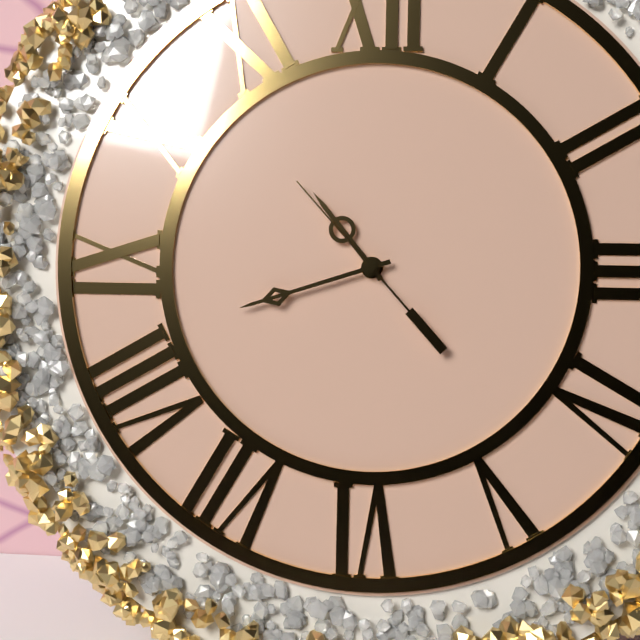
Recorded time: 10.42.53
